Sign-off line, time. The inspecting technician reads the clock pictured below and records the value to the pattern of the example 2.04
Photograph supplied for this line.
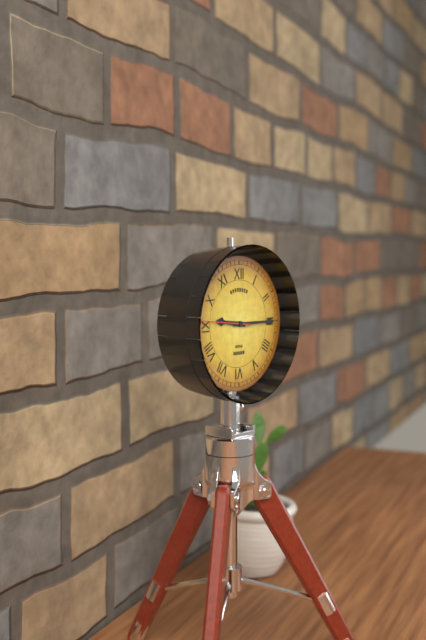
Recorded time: 9.15
